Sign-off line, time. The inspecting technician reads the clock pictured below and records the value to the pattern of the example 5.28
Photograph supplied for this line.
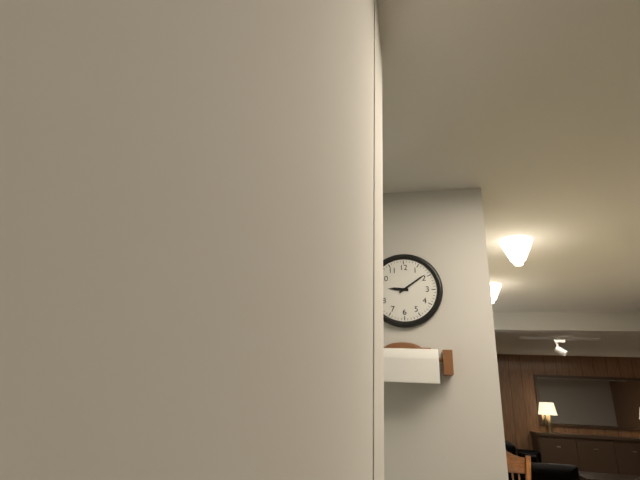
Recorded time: 9.09
